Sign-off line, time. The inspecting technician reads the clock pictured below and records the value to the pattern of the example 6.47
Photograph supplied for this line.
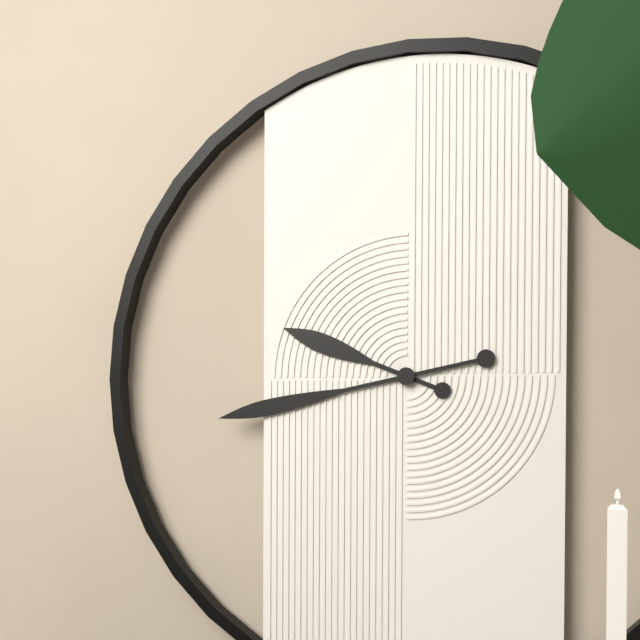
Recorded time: 9.43
